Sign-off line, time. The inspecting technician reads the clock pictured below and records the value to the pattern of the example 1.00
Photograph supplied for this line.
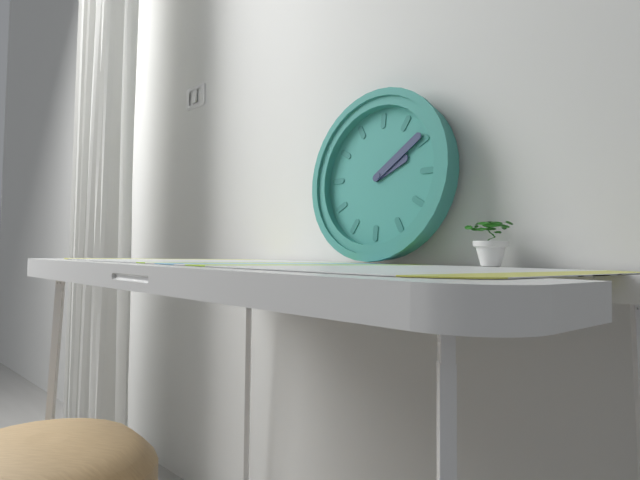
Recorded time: 2.09
